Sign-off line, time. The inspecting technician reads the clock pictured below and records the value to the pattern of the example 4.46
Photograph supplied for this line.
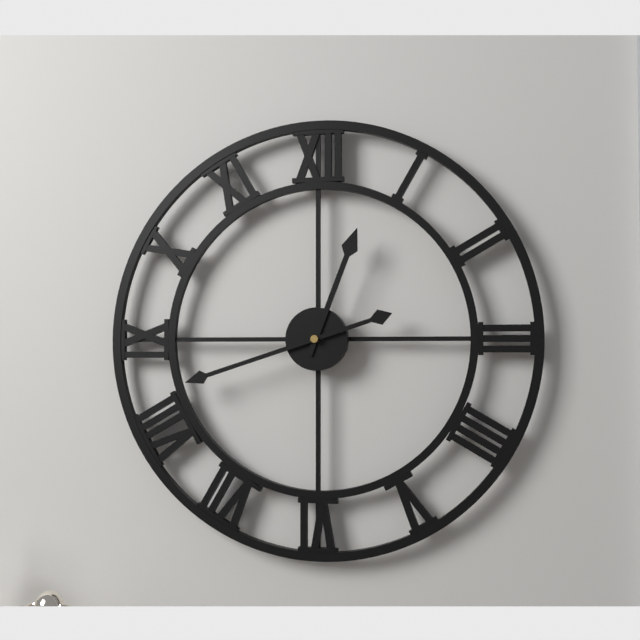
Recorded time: 12.42
